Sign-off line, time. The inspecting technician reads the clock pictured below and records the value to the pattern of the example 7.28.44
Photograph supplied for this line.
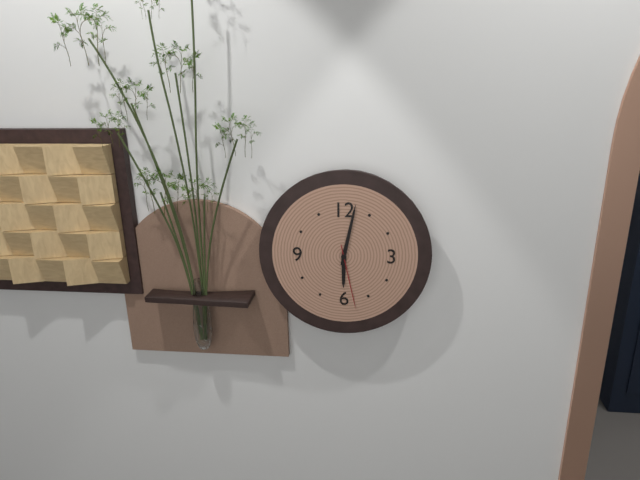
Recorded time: 6.02.28
